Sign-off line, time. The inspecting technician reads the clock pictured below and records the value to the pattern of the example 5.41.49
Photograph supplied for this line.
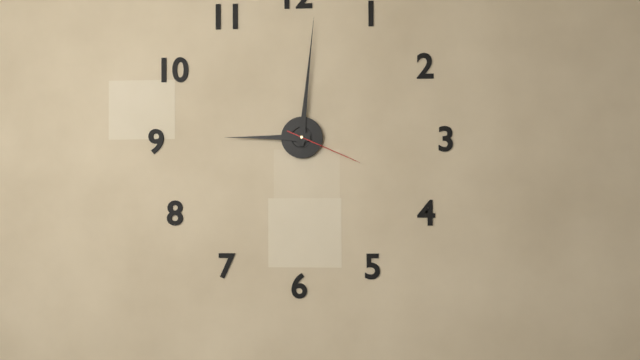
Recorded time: 9.01.19
